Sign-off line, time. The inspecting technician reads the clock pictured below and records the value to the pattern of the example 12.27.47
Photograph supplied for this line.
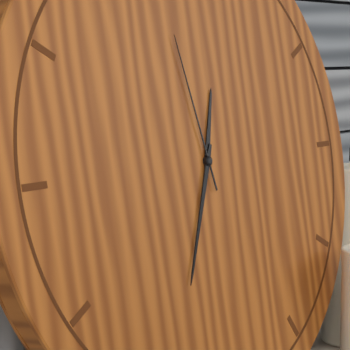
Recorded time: 12.34.58
